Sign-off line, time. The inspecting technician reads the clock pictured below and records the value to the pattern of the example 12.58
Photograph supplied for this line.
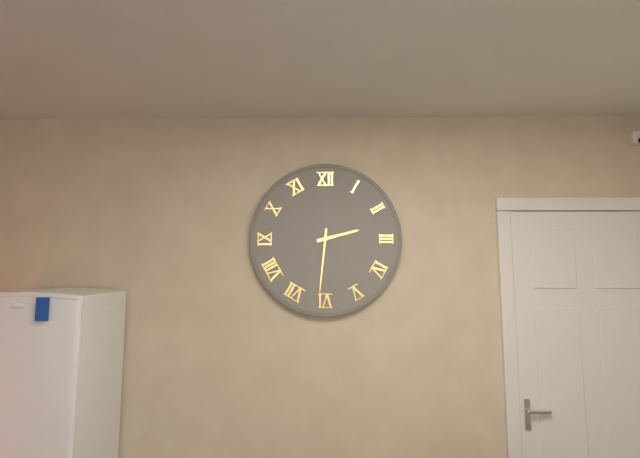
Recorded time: 2.31
